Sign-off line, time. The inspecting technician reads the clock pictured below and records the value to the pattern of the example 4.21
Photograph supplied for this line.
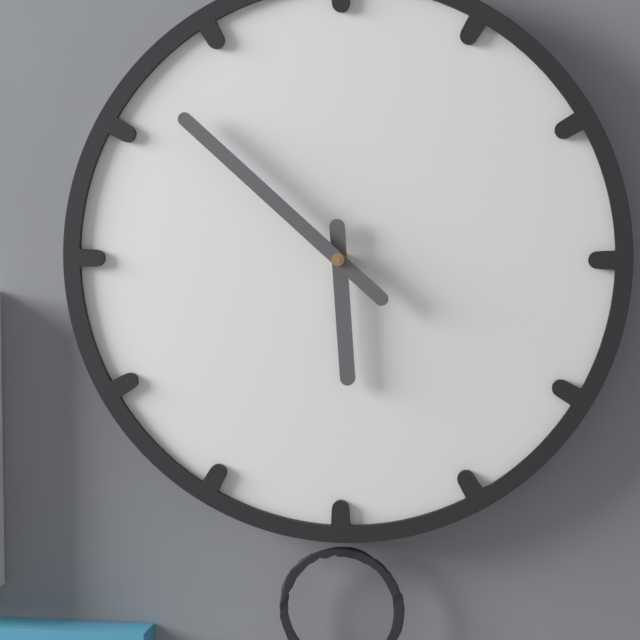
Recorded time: 5.52
